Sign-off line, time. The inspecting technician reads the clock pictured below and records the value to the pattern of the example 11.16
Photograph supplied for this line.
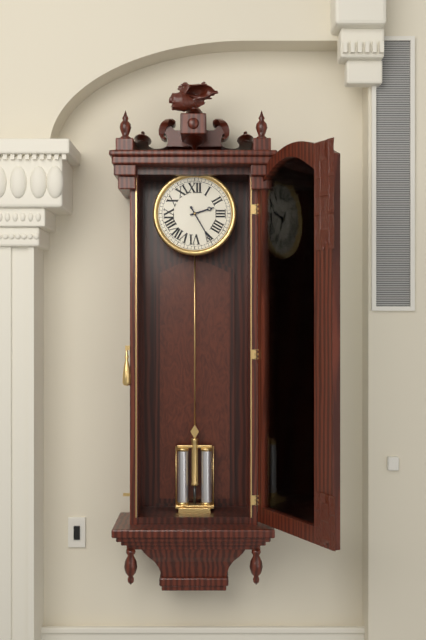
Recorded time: 2.25
